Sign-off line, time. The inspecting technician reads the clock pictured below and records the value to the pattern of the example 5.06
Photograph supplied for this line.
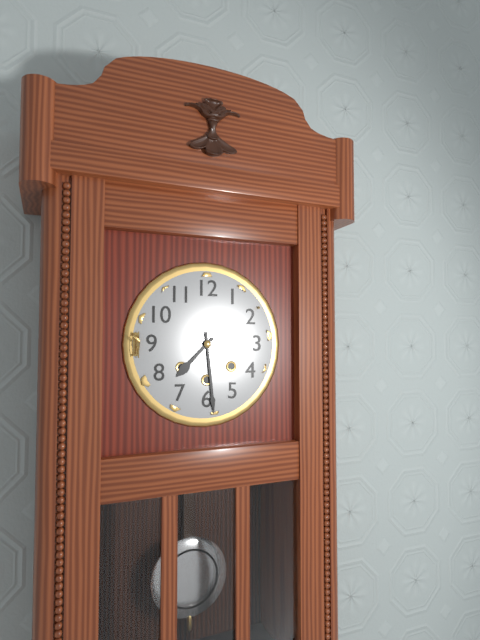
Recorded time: 7.29
